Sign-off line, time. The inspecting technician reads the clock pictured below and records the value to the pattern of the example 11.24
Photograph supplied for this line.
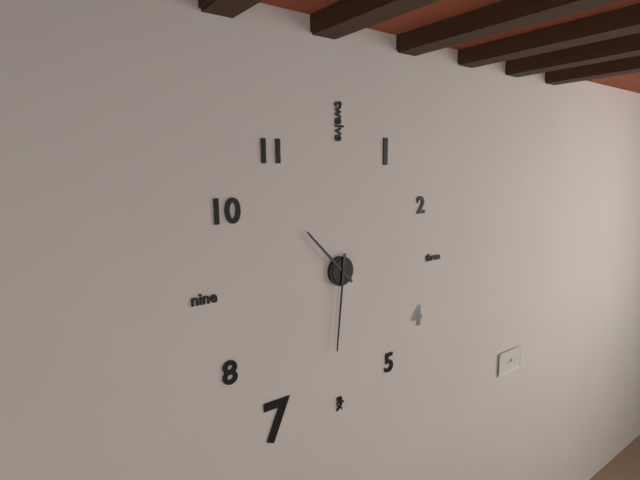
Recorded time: 10.31
